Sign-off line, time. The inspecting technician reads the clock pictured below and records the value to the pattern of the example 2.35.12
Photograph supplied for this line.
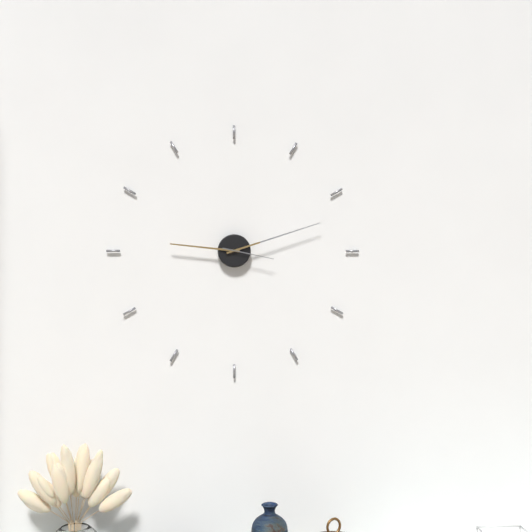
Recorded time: 9.12.17
